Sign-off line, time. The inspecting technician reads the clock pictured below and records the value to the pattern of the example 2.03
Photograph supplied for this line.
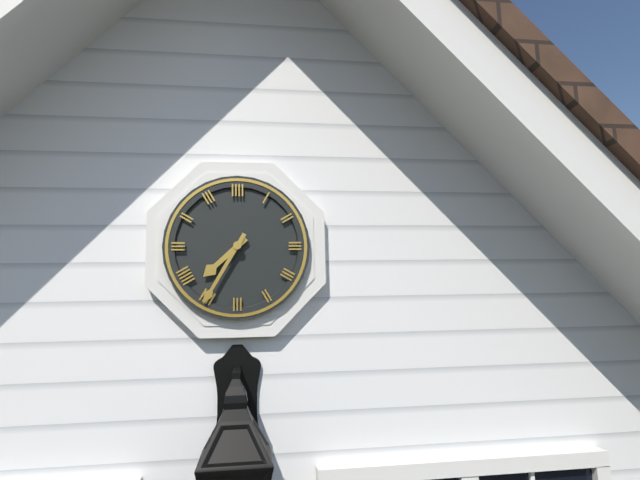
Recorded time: 7.35
